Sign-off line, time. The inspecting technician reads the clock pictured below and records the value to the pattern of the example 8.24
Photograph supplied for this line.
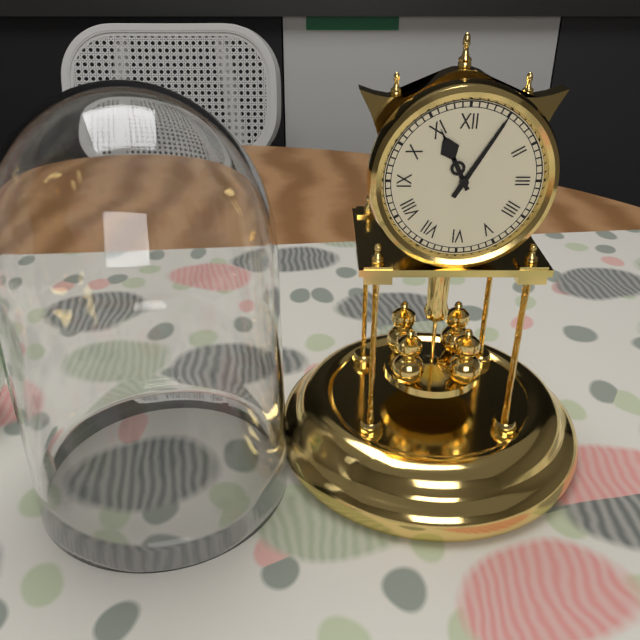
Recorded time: 11.05
